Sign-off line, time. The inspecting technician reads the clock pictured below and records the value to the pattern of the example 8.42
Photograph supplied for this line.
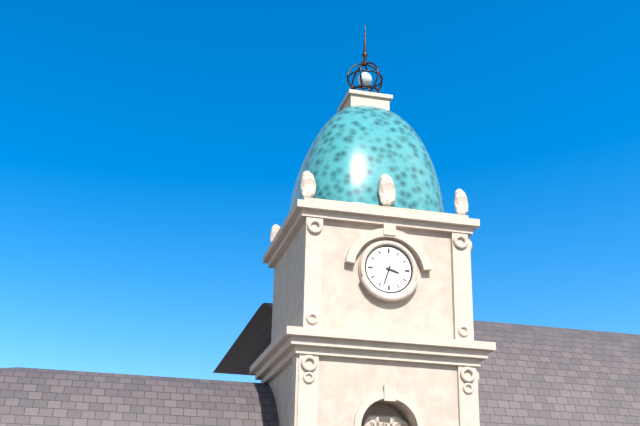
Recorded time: 3.33
